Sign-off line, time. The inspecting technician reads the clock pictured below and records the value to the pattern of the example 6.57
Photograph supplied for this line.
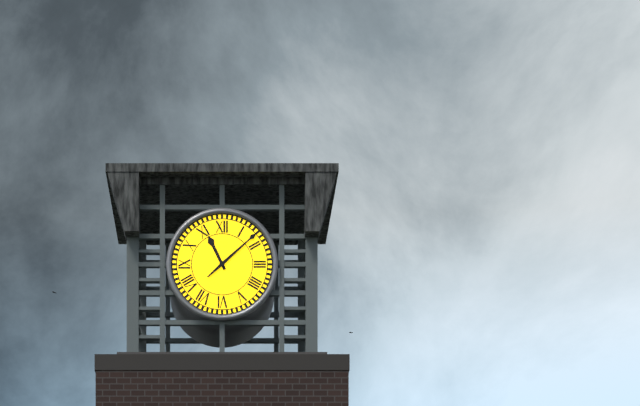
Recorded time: 11.08
